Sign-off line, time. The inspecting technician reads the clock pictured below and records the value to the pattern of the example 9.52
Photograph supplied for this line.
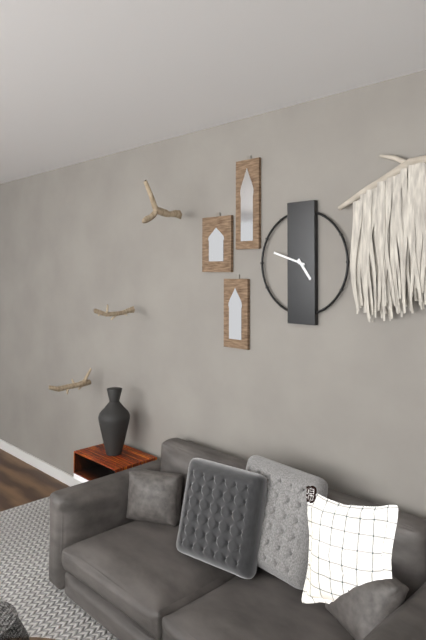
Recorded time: 4.48
